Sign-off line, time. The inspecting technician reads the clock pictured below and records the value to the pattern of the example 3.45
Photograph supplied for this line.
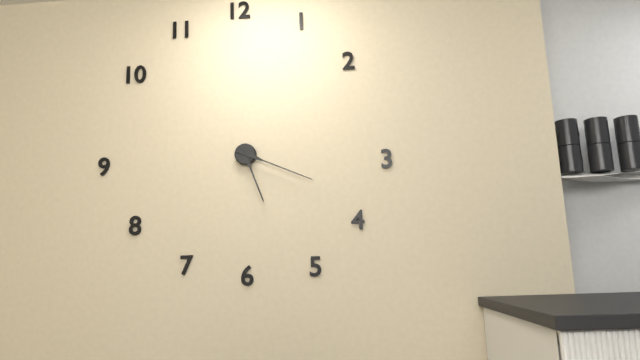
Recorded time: 5.19
